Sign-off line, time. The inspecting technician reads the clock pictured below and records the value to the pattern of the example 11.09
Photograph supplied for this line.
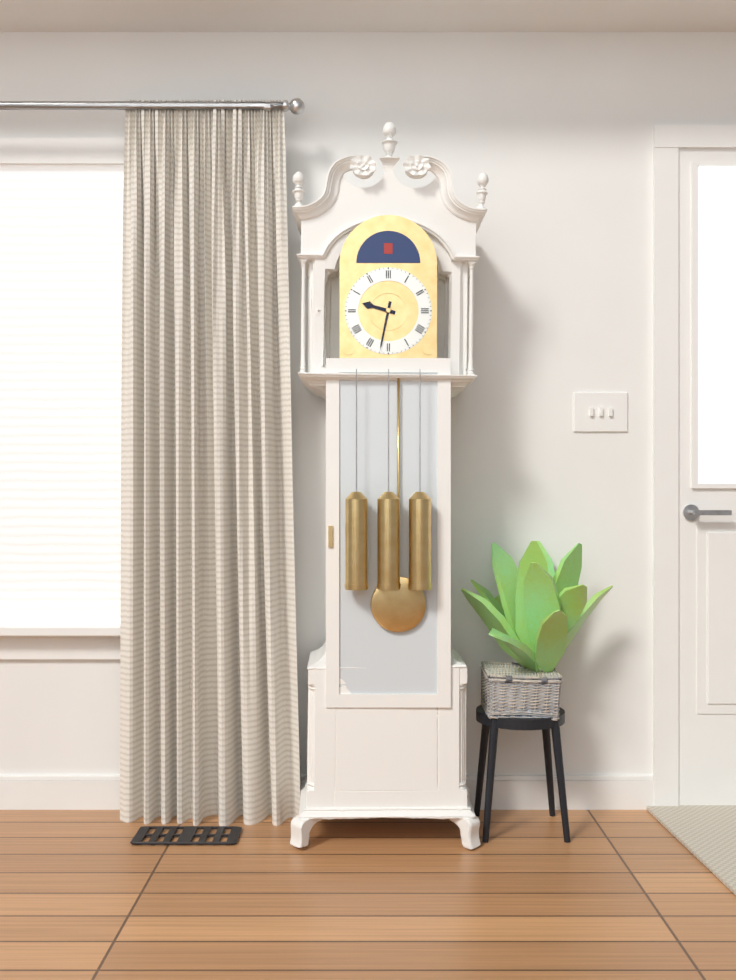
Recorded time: 9.32
